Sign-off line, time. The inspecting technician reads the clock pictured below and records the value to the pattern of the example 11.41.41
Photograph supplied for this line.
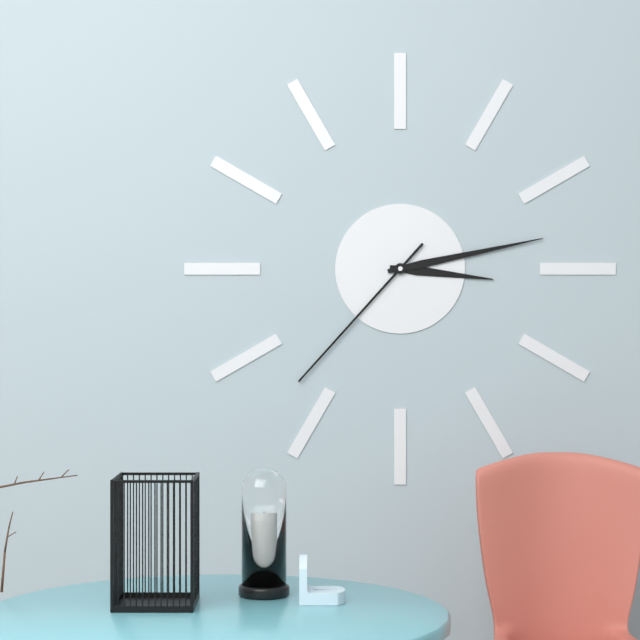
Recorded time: 3.13.37
